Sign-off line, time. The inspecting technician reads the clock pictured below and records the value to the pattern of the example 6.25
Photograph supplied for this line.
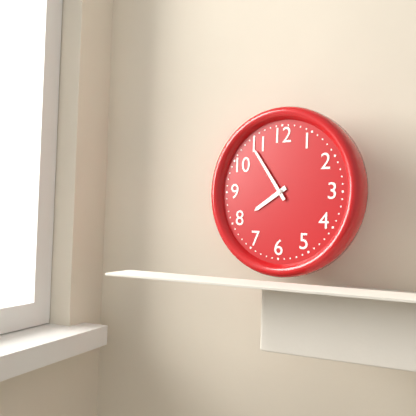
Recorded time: 7.54
